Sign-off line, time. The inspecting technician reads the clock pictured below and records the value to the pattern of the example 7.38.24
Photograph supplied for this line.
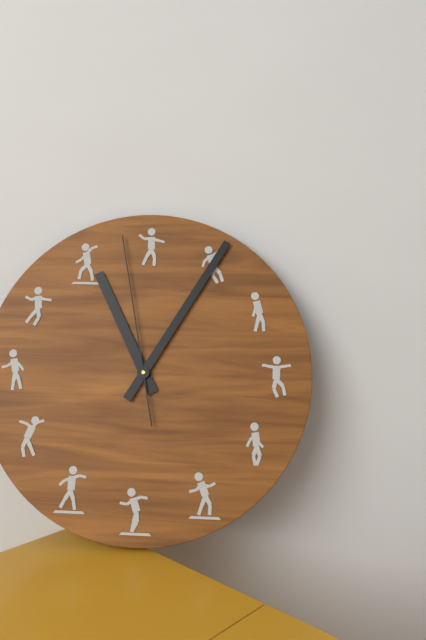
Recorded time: 11.05.58
